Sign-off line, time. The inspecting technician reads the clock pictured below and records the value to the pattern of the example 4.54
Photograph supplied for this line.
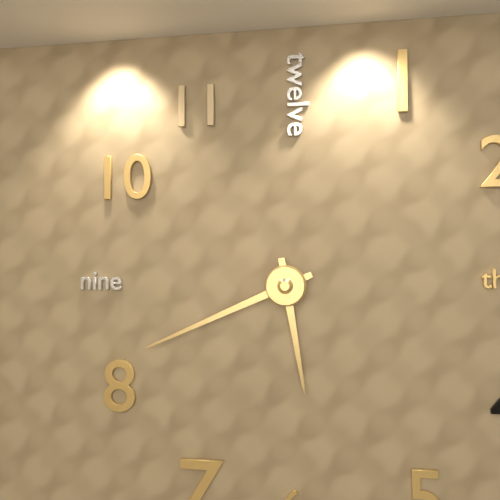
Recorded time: 5.41
